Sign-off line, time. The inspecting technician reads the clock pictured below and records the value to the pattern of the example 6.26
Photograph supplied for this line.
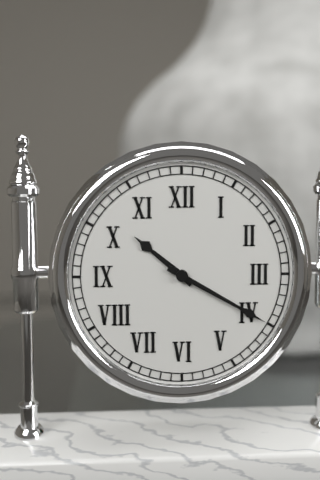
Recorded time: 10.20
